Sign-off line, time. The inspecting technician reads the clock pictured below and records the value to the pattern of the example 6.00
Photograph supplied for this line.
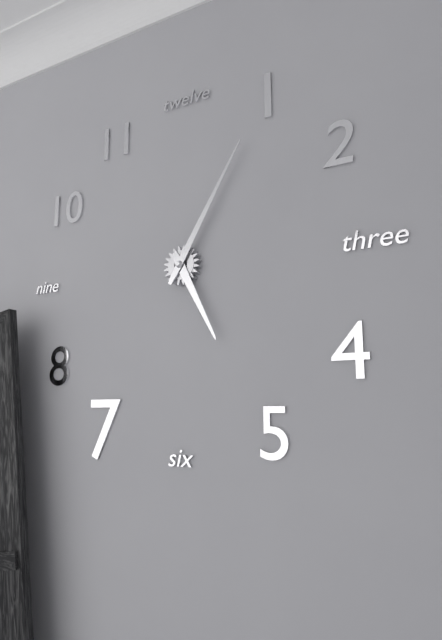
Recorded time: 5.05
